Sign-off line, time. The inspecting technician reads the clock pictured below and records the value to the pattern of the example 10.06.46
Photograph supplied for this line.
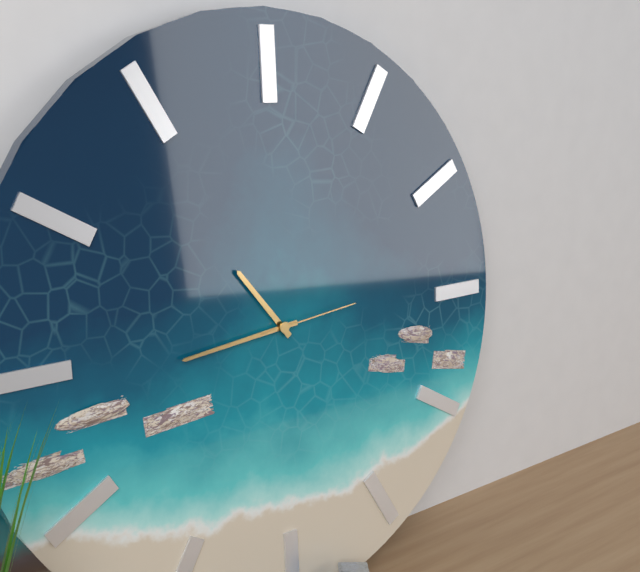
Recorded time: 10.44.14
